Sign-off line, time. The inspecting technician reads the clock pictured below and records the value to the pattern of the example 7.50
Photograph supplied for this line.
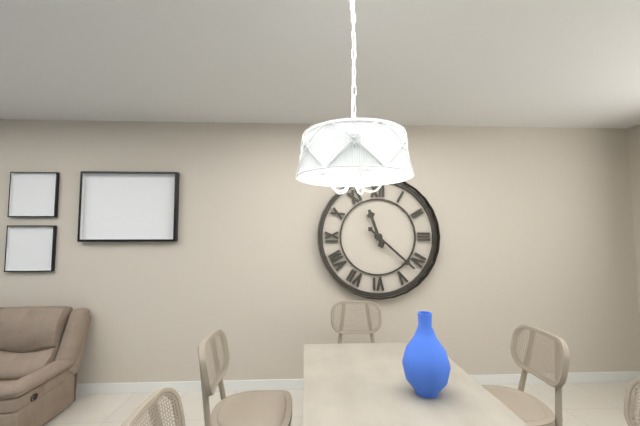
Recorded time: 11.22
